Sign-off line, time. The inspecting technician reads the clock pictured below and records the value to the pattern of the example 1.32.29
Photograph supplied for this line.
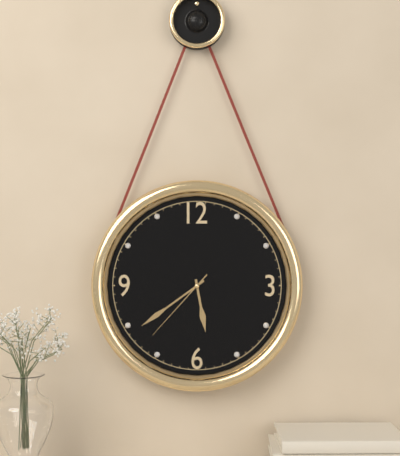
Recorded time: 5.39.37
